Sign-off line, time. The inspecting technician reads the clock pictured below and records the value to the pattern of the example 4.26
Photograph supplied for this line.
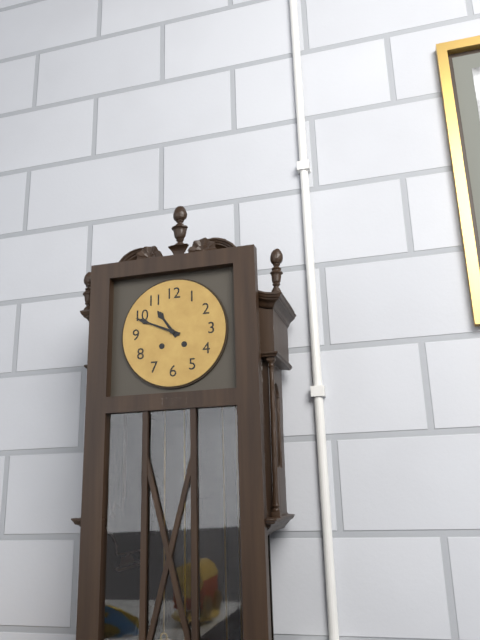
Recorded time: 10.49
